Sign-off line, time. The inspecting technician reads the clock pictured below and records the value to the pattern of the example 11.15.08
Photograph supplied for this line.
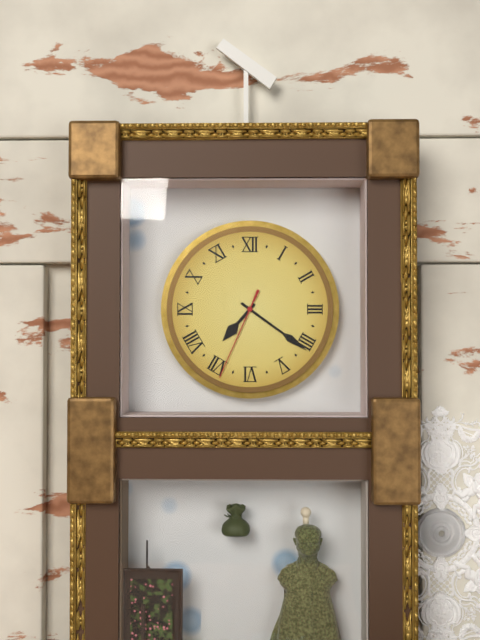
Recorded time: 7.21.34
